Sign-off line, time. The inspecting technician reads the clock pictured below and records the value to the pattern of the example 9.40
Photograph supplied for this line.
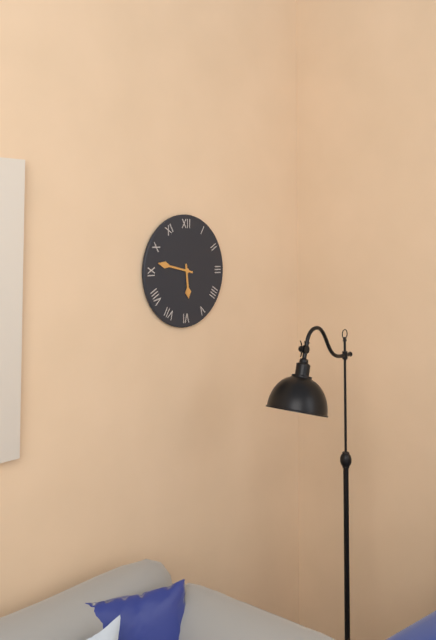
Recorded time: 5.47
